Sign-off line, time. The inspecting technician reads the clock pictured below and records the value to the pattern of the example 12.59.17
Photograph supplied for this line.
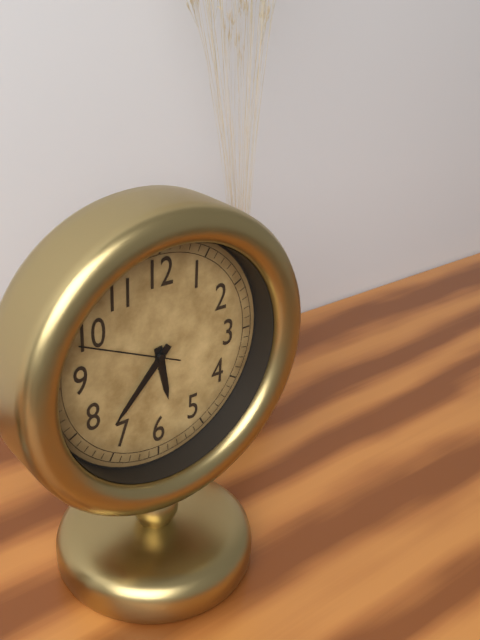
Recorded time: 5.37.49
